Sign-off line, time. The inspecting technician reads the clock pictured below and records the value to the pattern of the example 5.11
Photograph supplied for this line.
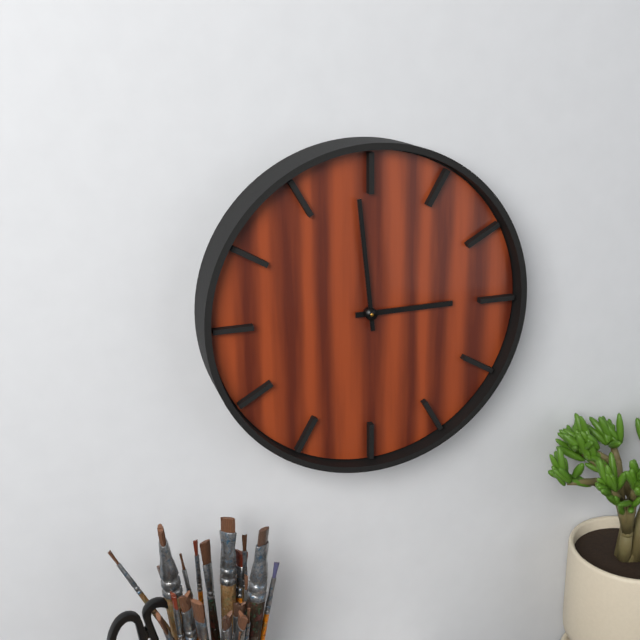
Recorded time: 2.59
